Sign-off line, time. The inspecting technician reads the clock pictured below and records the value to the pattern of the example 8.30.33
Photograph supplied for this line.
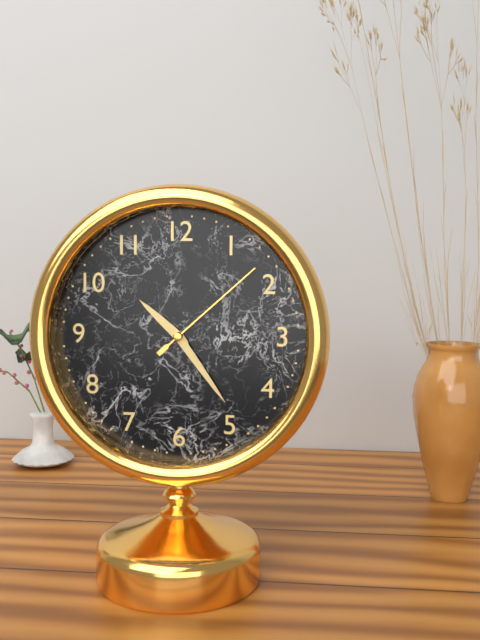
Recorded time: 10.24.08
